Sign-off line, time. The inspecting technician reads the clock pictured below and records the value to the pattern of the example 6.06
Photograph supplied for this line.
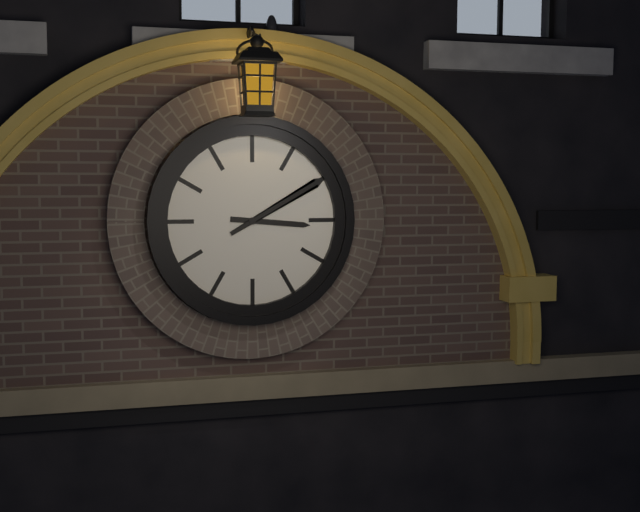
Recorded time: 3.10
